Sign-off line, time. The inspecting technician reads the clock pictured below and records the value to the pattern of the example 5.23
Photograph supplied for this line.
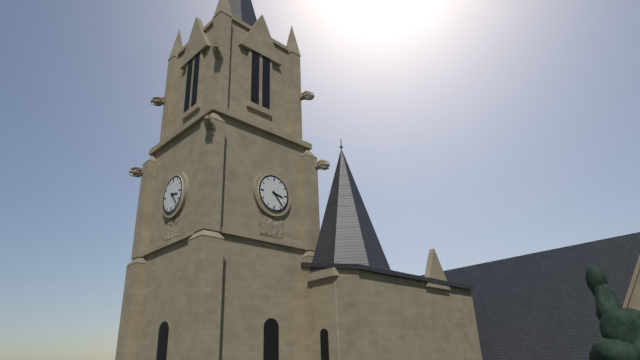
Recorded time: 3.23
